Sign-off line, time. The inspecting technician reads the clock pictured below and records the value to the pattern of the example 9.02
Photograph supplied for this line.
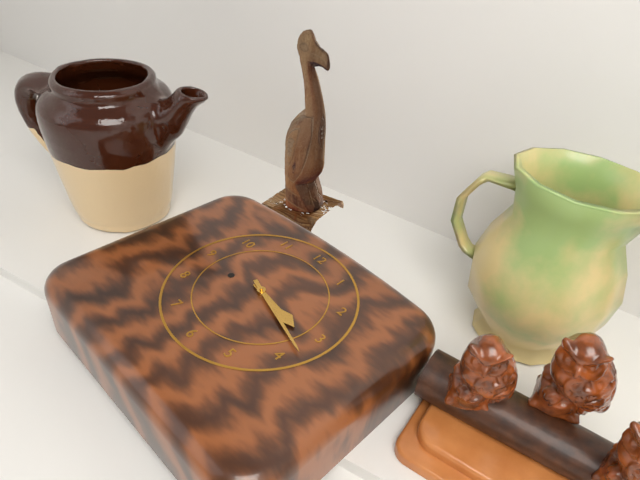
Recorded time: 3.18
